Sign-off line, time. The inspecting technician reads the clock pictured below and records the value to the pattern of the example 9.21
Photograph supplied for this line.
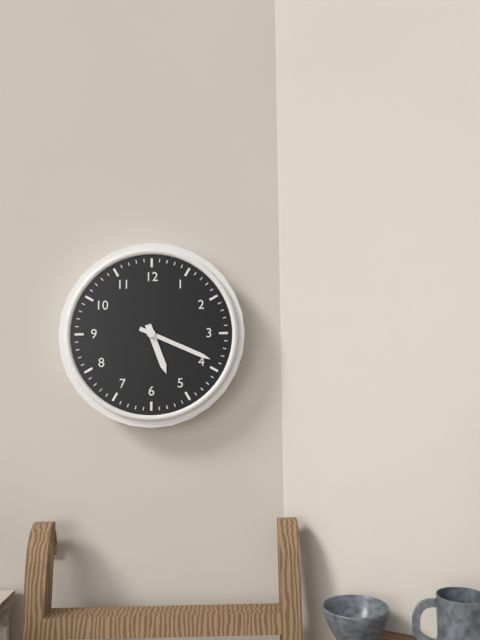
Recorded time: 5.19
